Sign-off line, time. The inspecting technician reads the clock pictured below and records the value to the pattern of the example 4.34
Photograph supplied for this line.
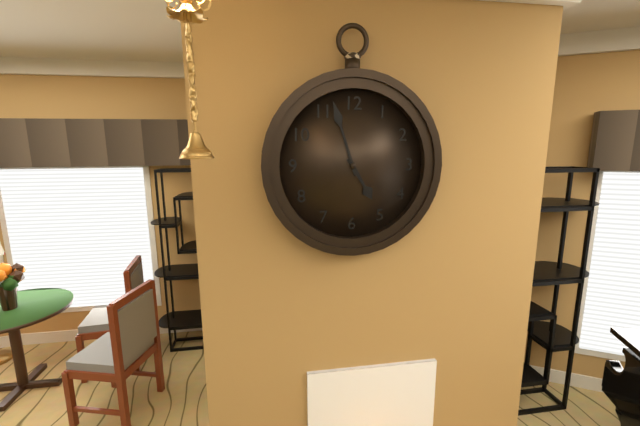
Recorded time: 4.57
